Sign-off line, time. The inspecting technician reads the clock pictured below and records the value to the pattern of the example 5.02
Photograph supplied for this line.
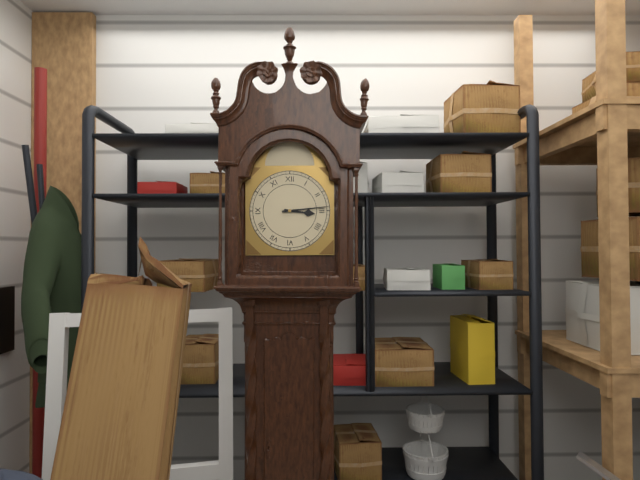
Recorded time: 3.14
